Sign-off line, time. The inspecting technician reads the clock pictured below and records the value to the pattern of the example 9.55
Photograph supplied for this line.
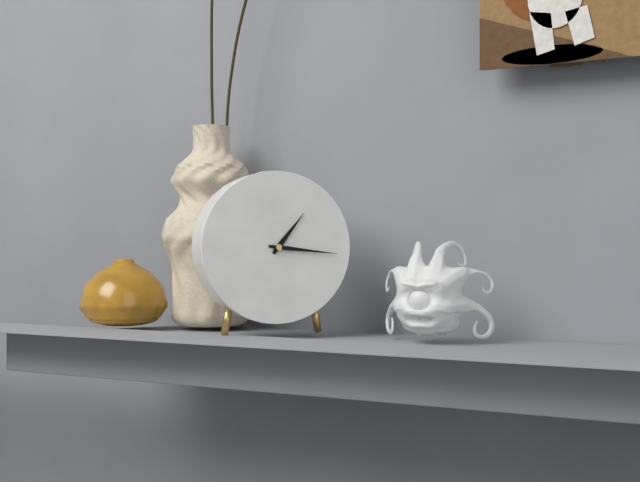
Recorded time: 1.16
